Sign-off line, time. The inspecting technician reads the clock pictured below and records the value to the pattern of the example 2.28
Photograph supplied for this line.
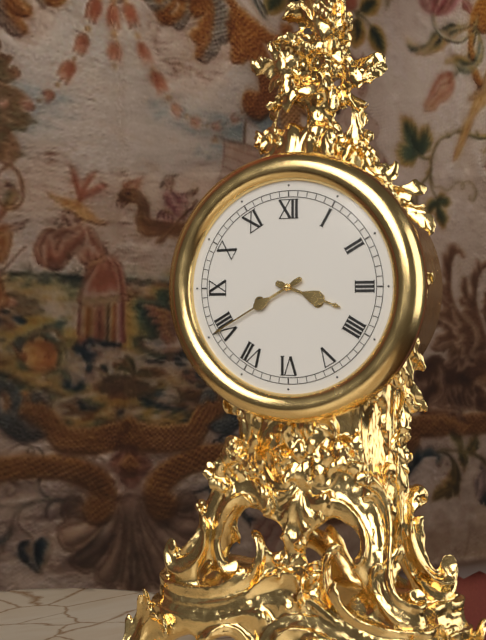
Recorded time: 3.40
